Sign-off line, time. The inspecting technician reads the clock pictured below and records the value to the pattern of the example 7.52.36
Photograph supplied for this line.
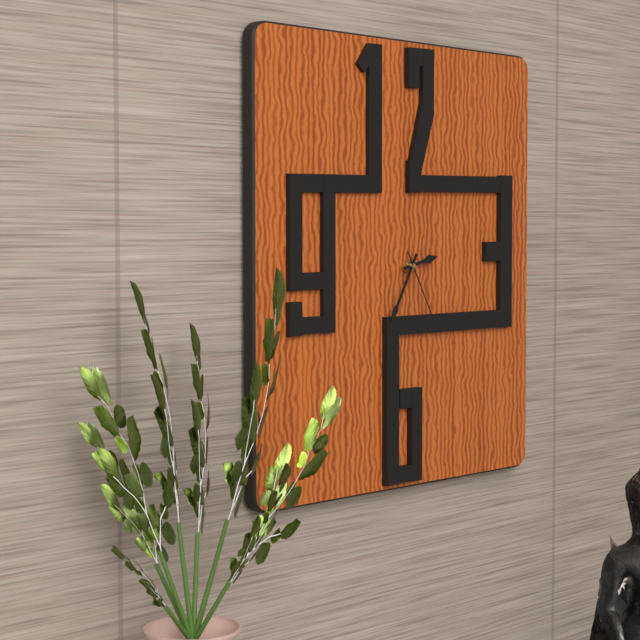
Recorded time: 2.35.25
